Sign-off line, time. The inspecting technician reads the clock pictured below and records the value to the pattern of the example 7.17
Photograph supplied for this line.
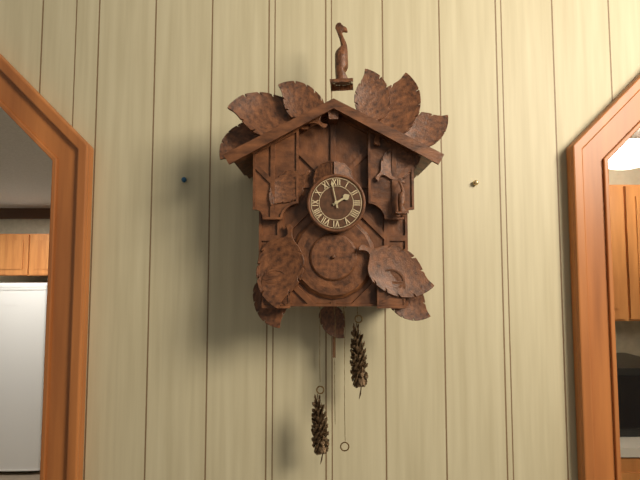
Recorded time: 1.58
